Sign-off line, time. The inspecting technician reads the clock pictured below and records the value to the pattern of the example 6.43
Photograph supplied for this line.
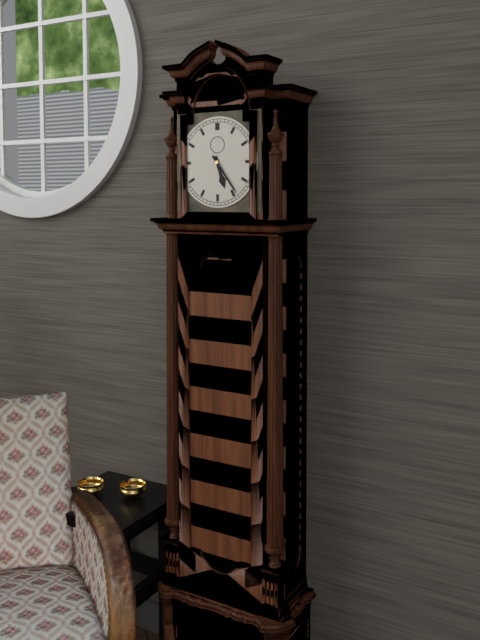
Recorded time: 5.24
